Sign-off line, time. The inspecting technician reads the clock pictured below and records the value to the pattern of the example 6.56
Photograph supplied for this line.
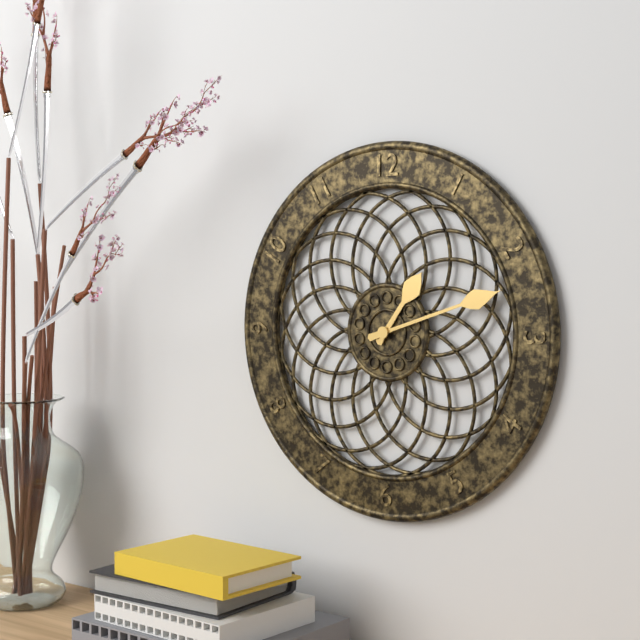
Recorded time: 1.12
